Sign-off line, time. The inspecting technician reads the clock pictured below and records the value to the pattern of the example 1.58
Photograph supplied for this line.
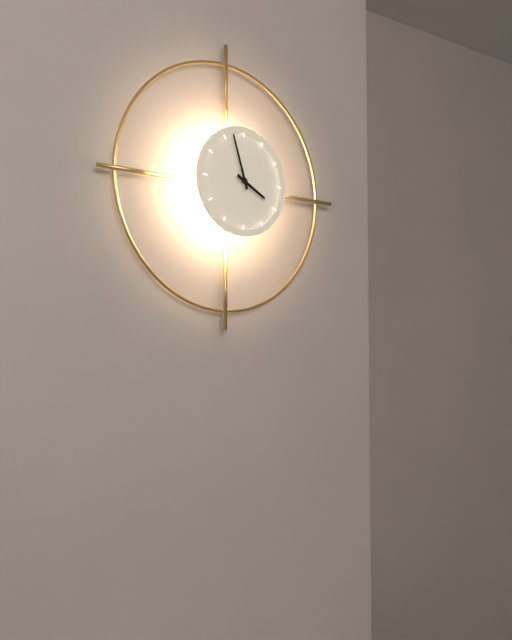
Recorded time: 3.57
